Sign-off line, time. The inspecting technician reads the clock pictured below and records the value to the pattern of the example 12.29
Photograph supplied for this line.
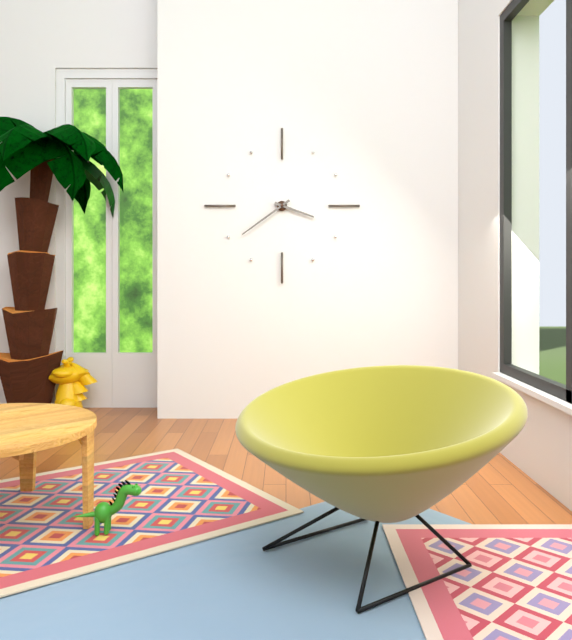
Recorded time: 3.39
